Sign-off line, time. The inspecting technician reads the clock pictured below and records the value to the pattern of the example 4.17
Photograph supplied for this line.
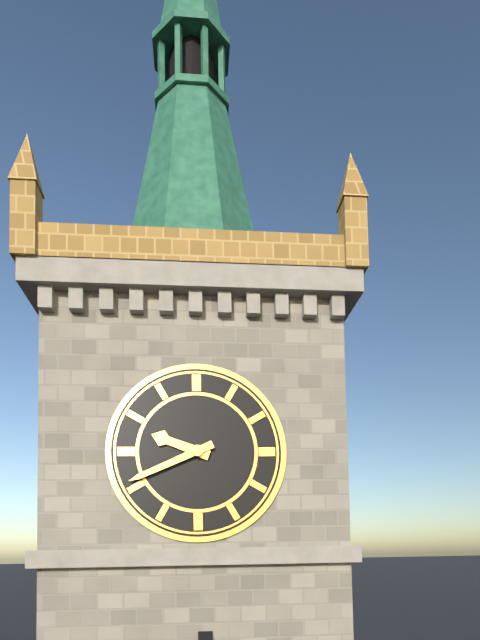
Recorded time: 9.41
